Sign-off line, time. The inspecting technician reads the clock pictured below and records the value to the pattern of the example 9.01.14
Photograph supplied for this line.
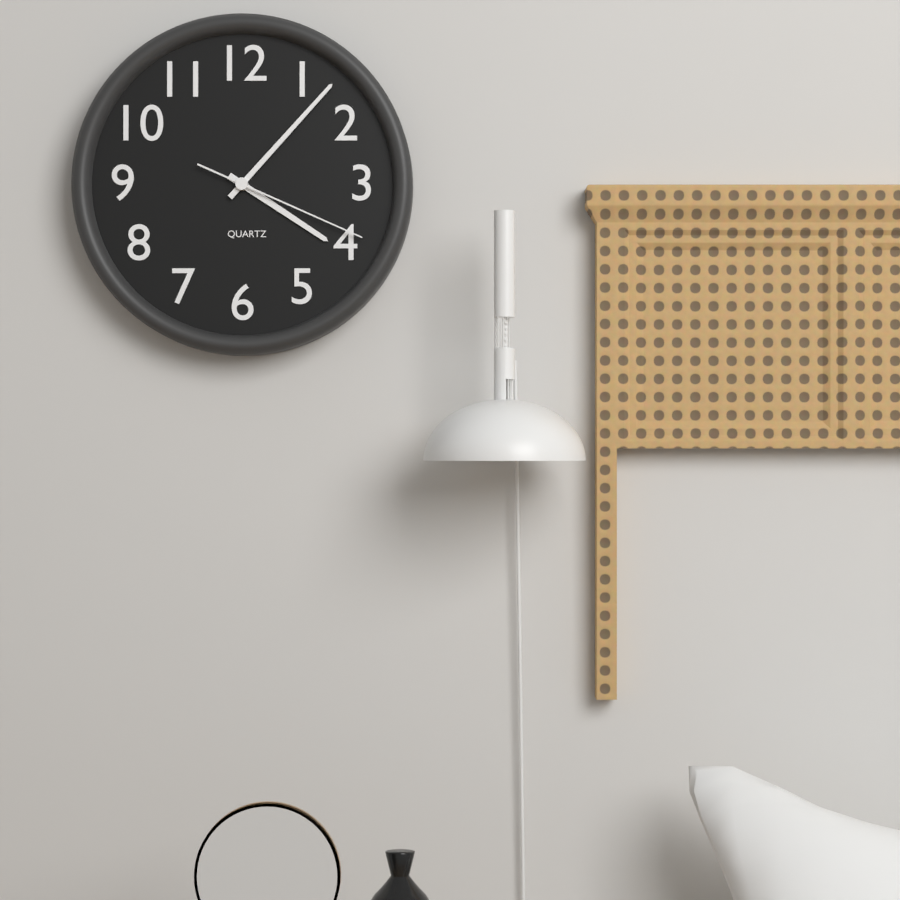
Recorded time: 4.07.19
